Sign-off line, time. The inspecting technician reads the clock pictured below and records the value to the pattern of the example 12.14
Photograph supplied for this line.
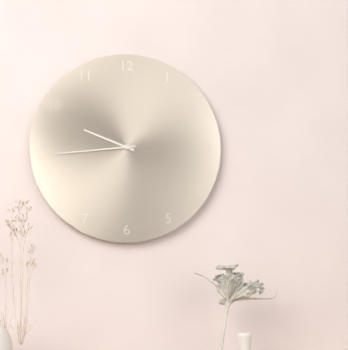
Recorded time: 9.44
